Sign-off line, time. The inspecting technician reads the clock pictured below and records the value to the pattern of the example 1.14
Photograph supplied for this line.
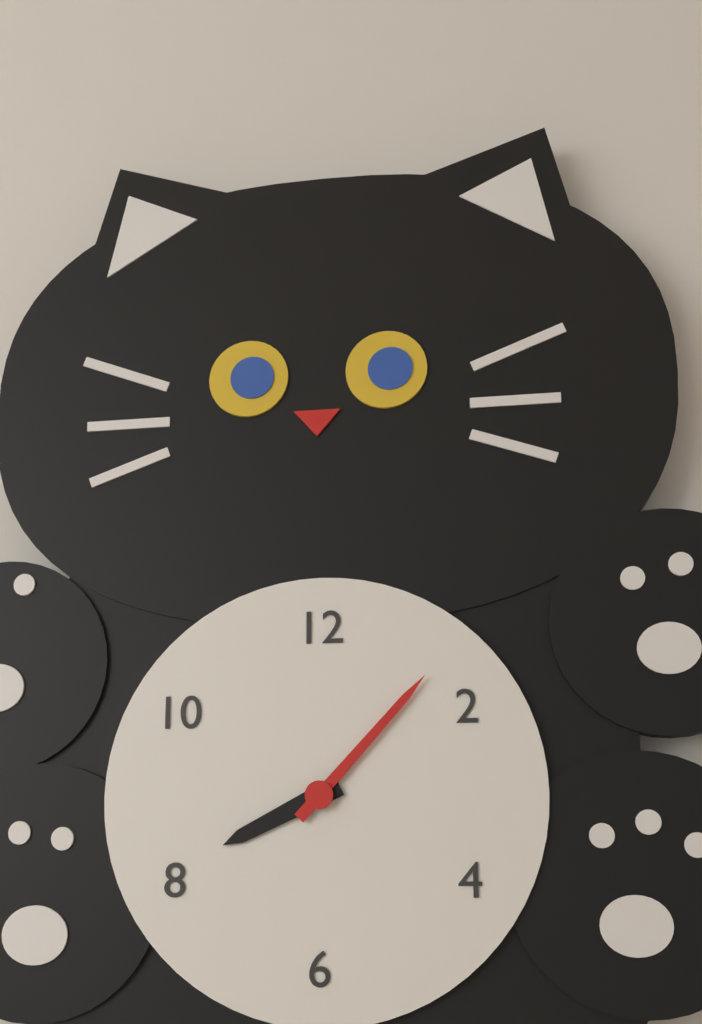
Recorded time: 8.07
